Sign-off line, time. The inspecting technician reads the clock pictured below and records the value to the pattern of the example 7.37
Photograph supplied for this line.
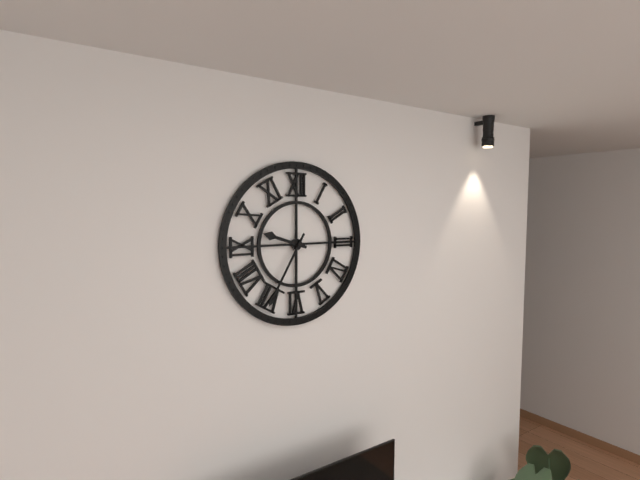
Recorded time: 9.35
